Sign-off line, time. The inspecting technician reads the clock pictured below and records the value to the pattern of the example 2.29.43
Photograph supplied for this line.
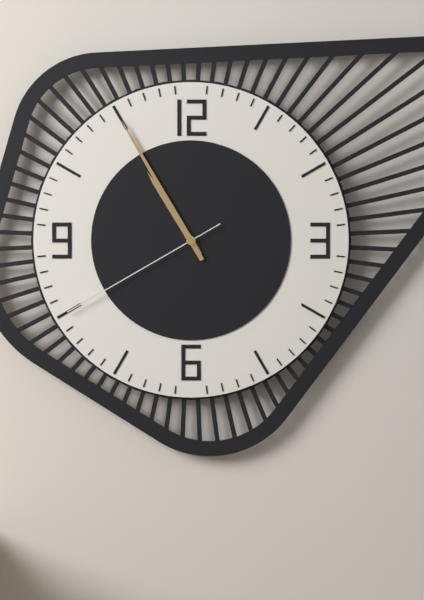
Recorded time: 10.55.40
